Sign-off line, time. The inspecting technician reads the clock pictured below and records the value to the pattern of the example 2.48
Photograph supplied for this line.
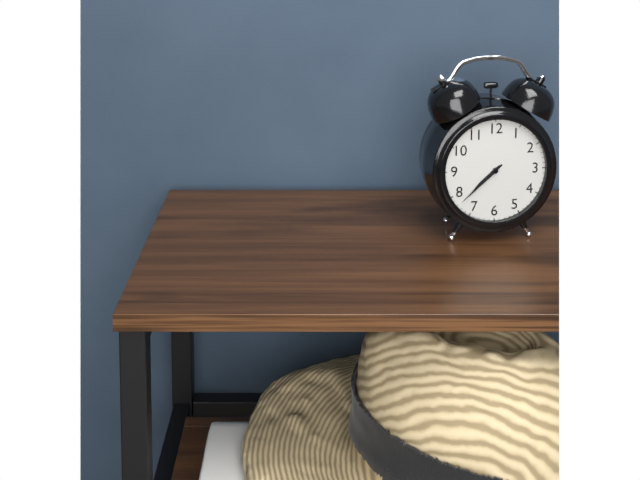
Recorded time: 7.38
